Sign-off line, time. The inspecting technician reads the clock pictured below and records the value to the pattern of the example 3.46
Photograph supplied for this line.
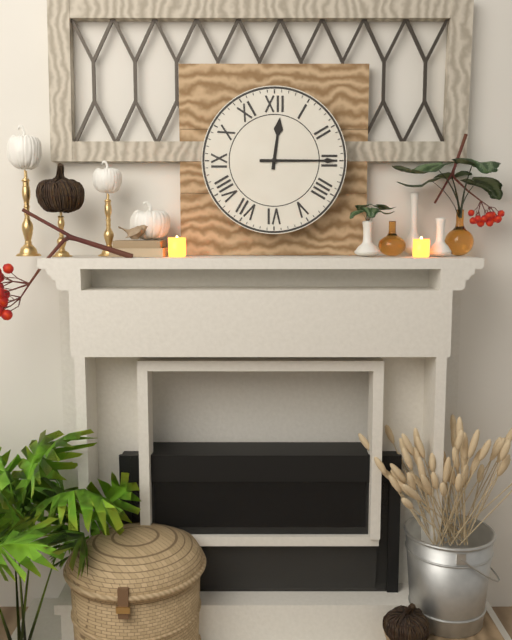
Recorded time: 12.15
